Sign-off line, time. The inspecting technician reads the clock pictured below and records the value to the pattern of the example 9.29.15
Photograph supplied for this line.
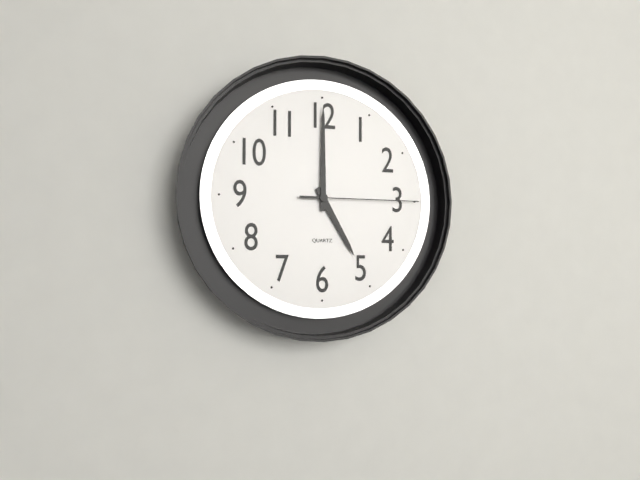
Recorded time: 5.00.15
